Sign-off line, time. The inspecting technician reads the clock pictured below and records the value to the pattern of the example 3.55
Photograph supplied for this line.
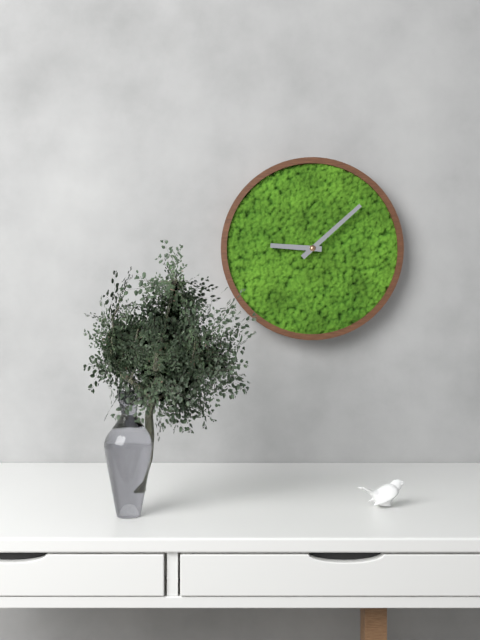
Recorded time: 9.08
